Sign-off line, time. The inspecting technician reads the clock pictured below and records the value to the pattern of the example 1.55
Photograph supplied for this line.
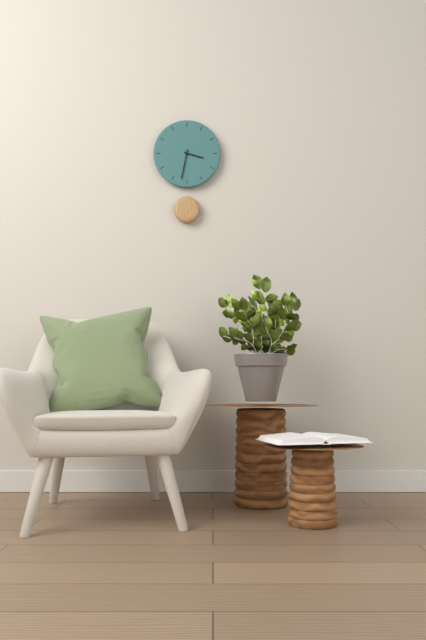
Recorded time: 3.32
